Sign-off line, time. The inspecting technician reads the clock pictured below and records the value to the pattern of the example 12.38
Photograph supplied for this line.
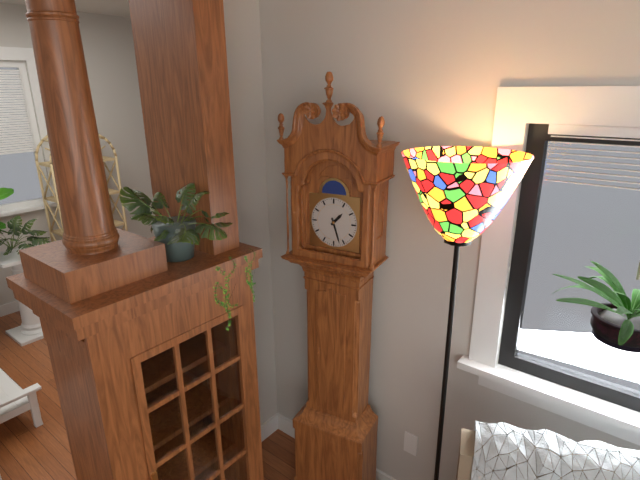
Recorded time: 1.27
